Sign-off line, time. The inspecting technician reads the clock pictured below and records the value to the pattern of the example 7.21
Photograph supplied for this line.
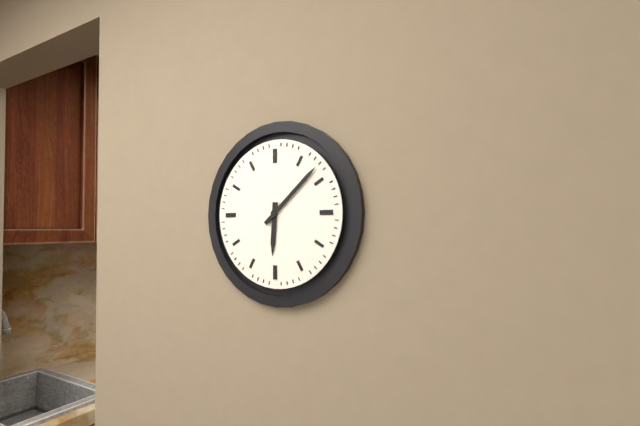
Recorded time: 6.08
